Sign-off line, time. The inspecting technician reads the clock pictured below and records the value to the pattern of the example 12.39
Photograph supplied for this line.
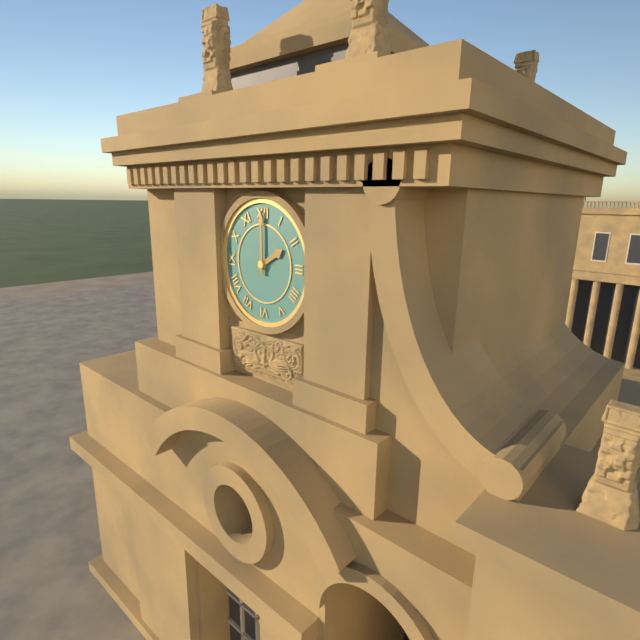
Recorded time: 2.00
